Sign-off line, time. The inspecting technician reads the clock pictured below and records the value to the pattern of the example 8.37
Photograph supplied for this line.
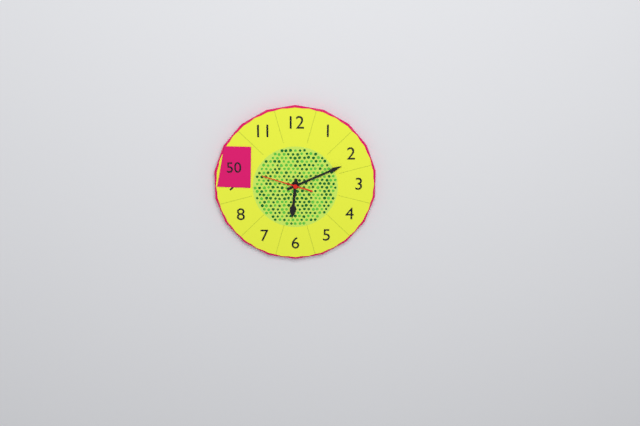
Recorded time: 6.11
